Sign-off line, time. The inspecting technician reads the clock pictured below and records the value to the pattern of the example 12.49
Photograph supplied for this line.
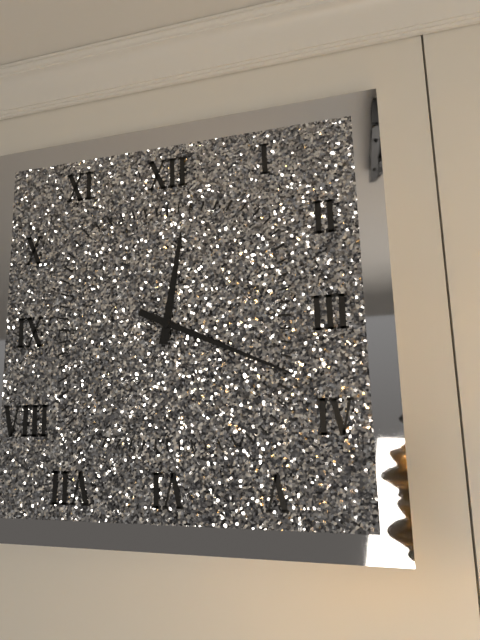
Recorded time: 12.19
